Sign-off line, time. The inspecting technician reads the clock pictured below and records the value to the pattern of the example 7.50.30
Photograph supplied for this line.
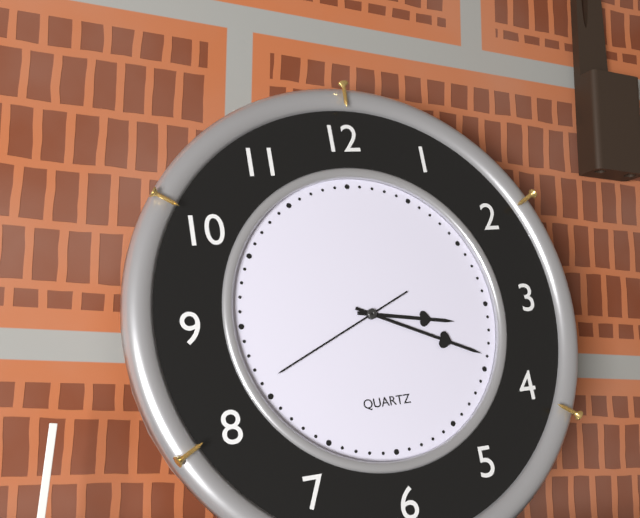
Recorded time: 3.19.41
